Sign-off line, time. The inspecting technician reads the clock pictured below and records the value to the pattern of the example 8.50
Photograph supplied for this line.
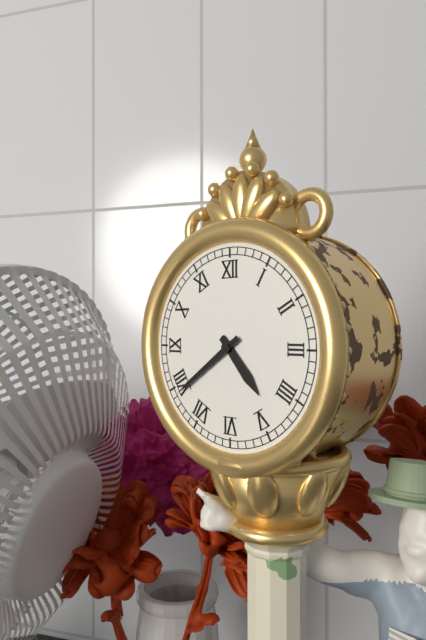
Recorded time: 4.39
